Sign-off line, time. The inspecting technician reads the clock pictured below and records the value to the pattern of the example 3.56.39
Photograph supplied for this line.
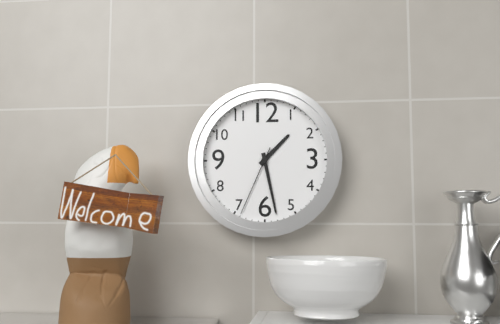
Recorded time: 1.28.34
